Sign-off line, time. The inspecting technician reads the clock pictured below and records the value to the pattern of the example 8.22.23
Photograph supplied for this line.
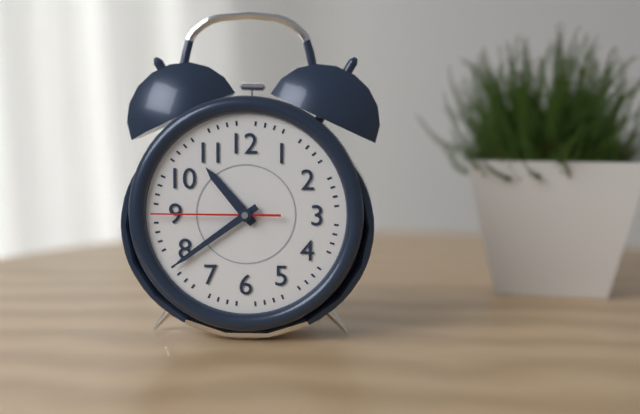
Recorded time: 10.39.45
